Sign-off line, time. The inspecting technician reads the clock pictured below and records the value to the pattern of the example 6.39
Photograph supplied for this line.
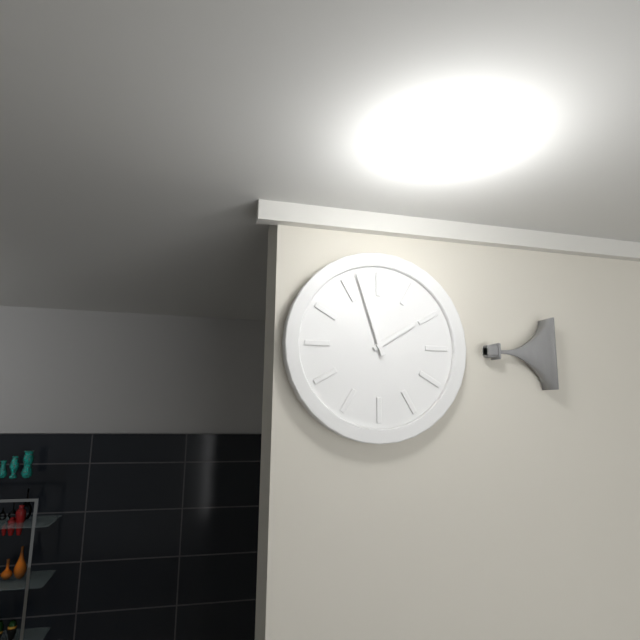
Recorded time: 1.57
